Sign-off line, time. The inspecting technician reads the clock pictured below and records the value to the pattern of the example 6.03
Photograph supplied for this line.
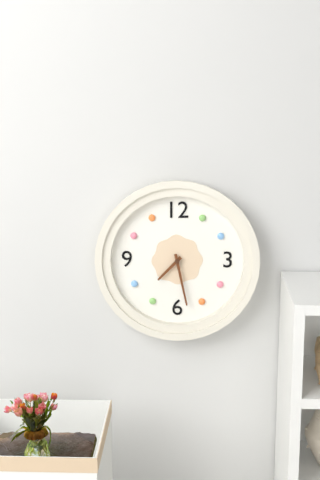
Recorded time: 7.28
